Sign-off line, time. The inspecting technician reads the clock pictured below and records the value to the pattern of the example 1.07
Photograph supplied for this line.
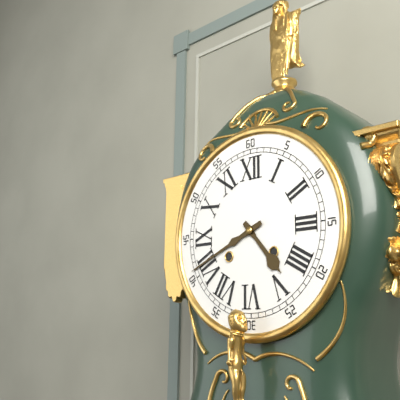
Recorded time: 4.41
